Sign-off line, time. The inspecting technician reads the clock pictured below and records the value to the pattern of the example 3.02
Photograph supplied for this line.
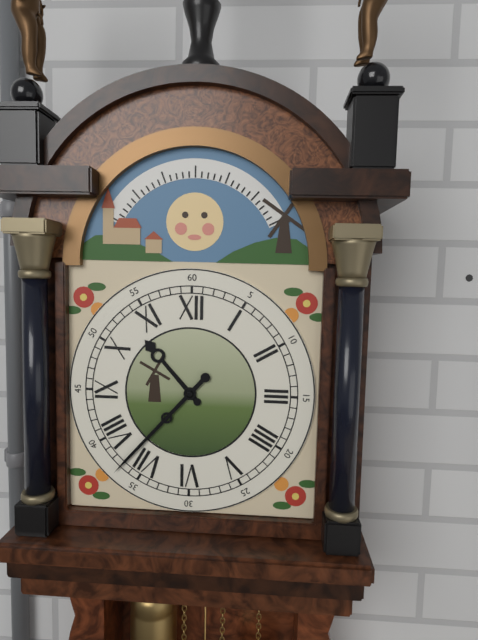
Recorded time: 10.37
